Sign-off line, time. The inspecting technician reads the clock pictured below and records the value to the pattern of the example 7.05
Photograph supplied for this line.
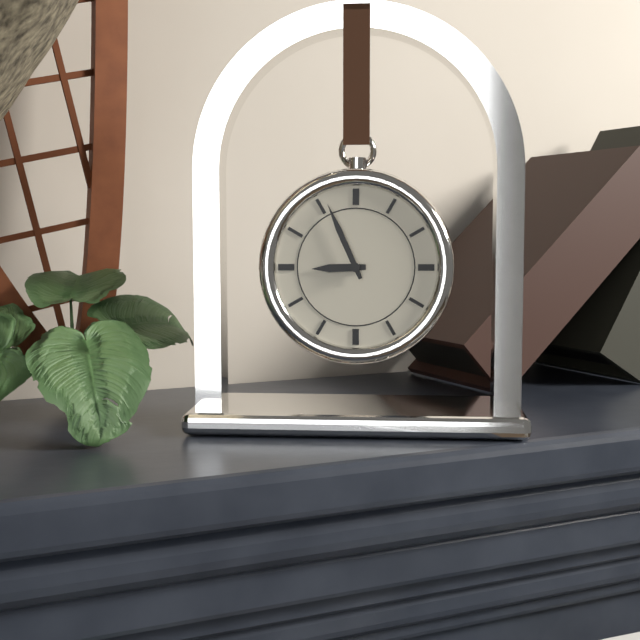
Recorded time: 8.56
